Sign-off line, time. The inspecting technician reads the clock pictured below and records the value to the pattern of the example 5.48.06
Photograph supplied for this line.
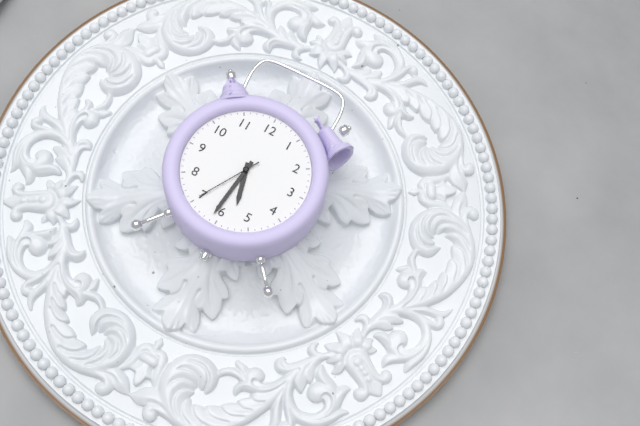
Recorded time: 5.31.35
